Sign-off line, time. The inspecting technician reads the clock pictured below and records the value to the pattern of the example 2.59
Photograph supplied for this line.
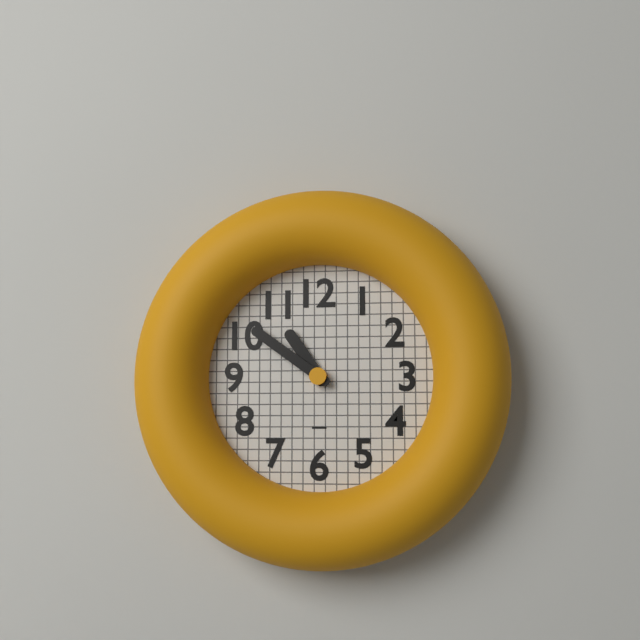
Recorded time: 10.51
